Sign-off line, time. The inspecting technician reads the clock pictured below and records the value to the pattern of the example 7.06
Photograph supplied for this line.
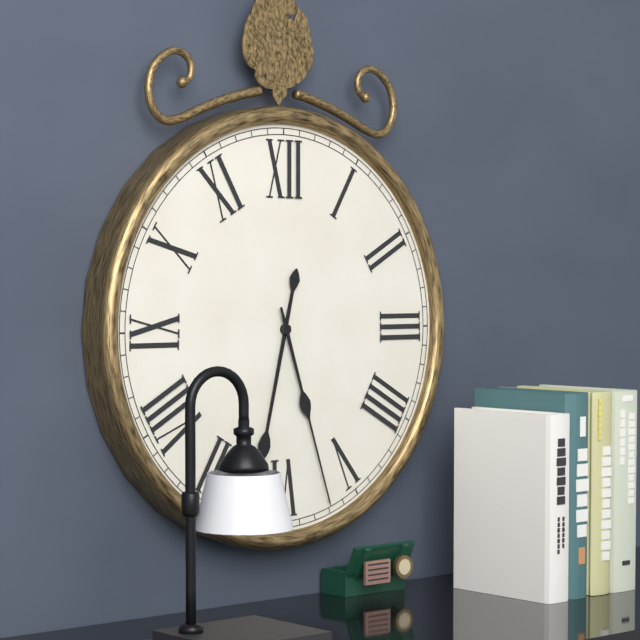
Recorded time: 6.27
